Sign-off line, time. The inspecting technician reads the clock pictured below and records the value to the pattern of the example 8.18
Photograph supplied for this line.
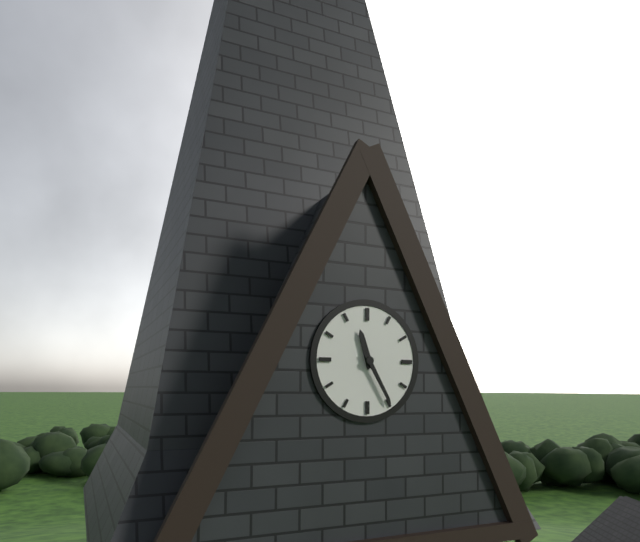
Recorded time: 11.25
